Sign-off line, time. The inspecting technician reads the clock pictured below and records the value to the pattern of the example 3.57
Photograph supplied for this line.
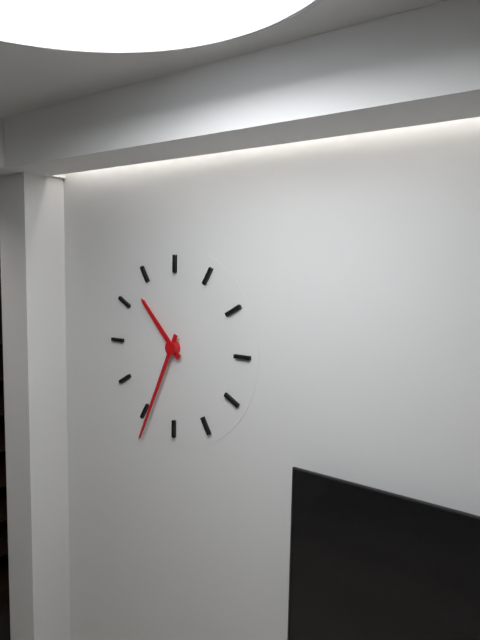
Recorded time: 10.34
